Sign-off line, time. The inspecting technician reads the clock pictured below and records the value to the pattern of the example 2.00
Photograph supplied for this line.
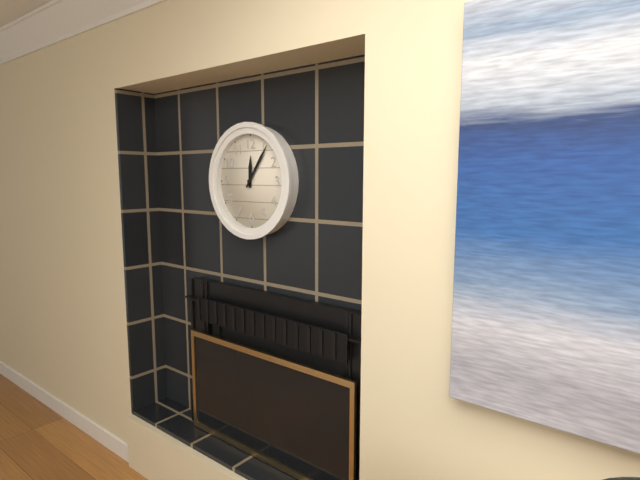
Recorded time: 12.06
